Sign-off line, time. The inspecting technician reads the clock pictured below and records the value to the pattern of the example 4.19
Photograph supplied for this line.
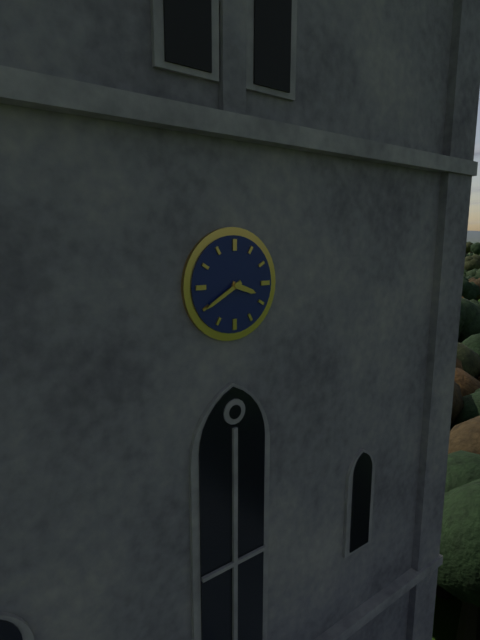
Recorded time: 3.40
